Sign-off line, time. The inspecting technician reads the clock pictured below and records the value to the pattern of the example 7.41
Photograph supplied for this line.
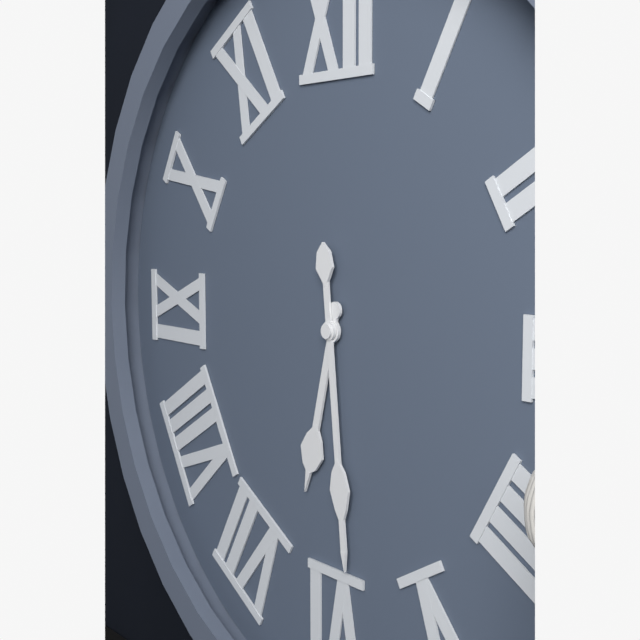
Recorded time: 6.29
